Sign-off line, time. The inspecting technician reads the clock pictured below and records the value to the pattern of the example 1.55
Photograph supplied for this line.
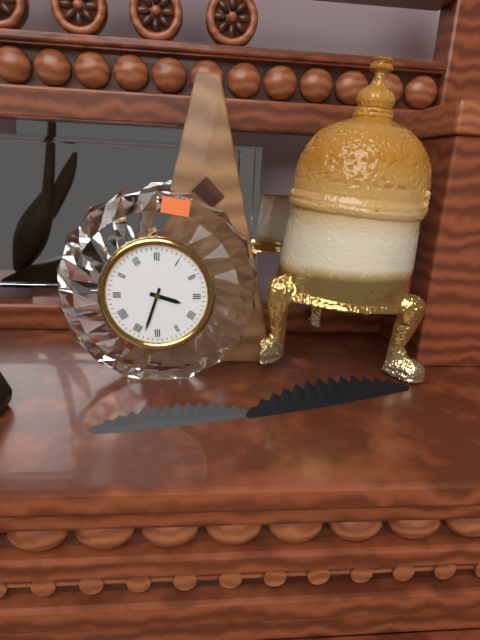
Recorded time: 3.33
